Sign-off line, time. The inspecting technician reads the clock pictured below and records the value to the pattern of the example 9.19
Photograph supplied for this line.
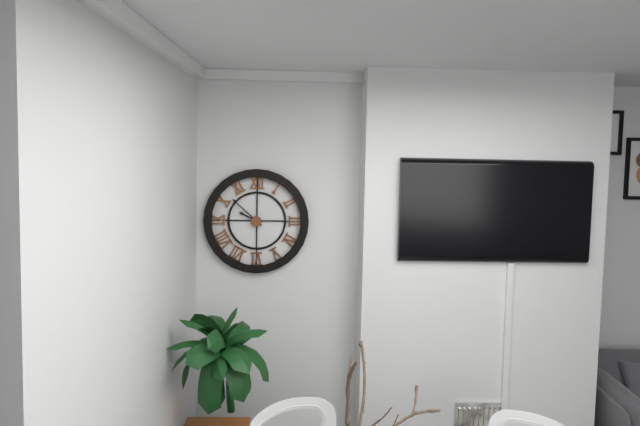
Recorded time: 9.52
